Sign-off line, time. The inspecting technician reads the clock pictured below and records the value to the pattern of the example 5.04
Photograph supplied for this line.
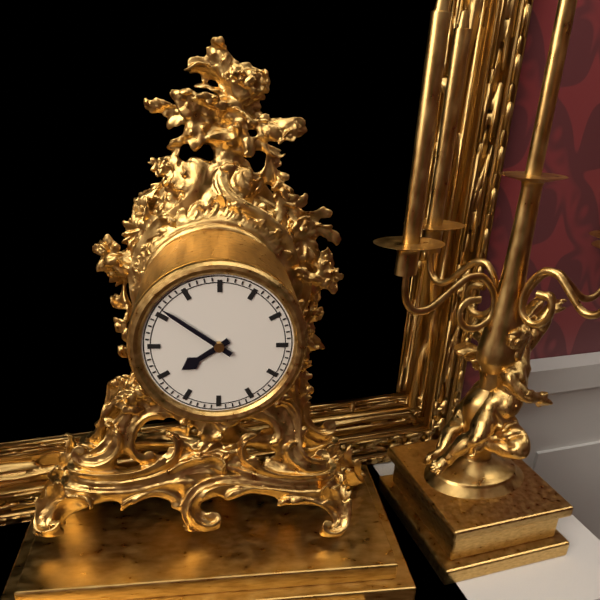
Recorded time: 7.51
